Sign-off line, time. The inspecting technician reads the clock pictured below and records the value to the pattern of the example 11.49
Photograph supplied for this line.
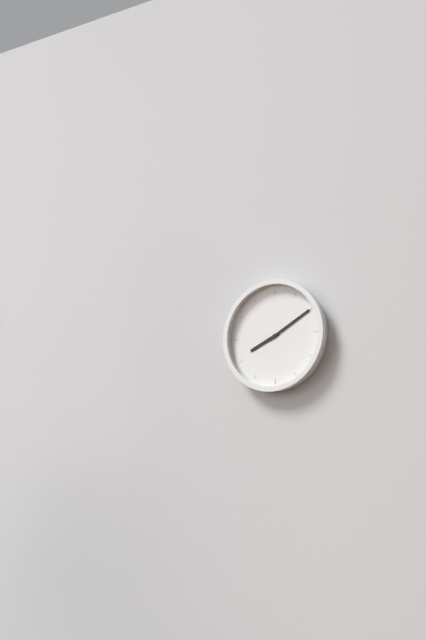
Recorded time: 8.10
